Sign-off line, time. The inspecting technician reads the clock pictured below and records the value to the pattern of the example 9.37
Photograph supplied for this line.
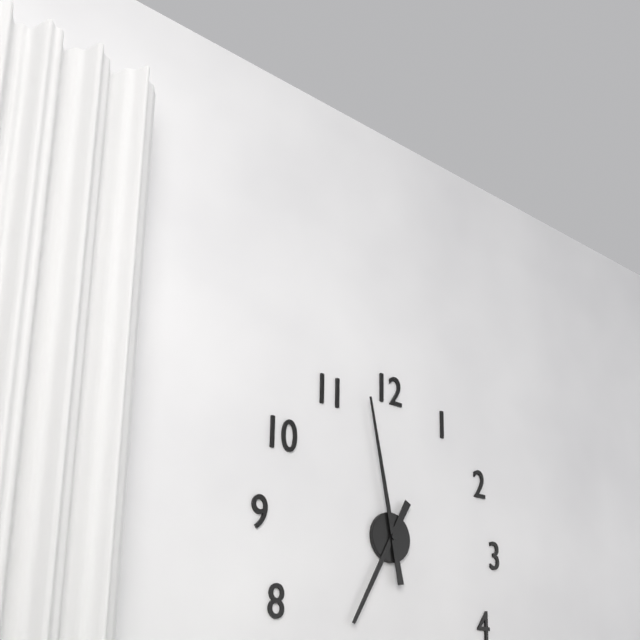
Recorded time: 6.58
